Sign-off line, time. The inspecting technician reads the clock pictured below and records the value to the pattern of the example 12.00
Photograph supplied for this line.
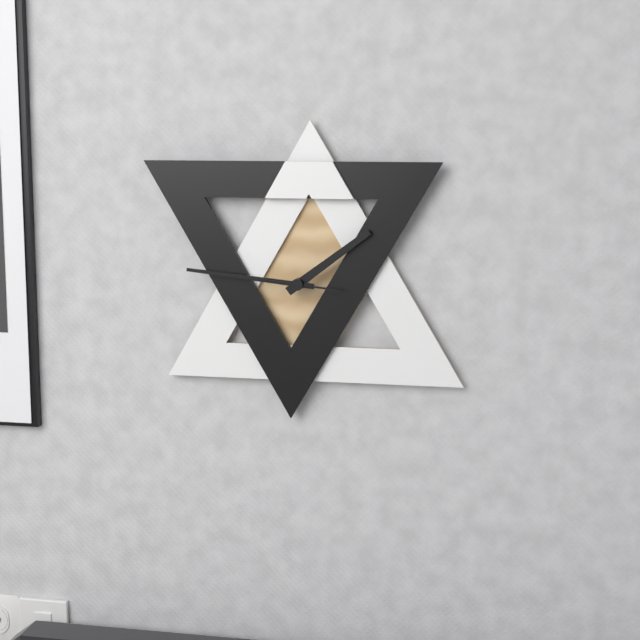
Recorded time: 1.46
